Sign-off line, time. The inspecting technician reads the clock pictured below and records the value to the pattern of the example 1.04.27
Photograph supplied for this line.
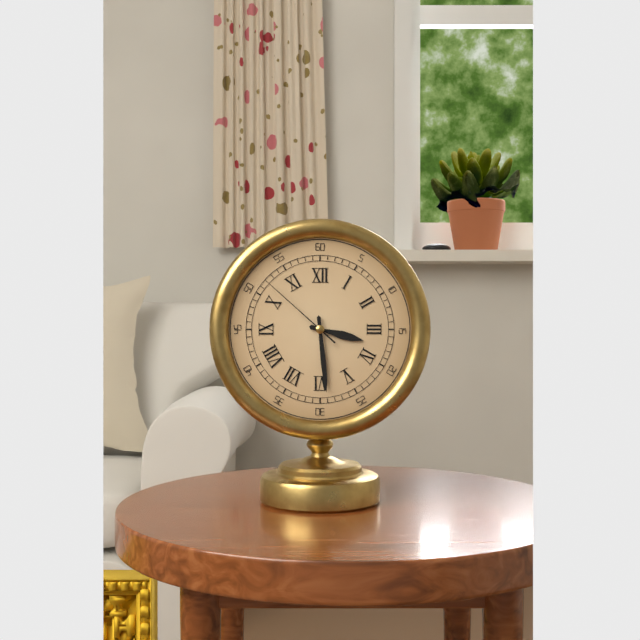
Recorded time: 3.29.52
